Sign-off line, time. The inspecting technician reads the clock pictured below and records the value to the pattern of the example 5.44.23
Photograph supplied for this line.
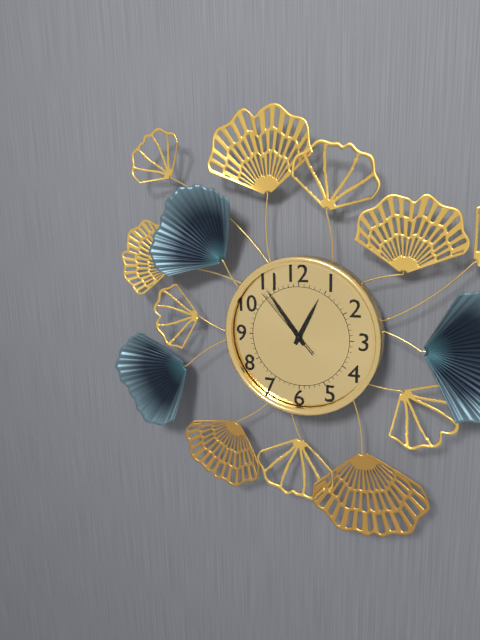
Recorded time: 12.54.53
